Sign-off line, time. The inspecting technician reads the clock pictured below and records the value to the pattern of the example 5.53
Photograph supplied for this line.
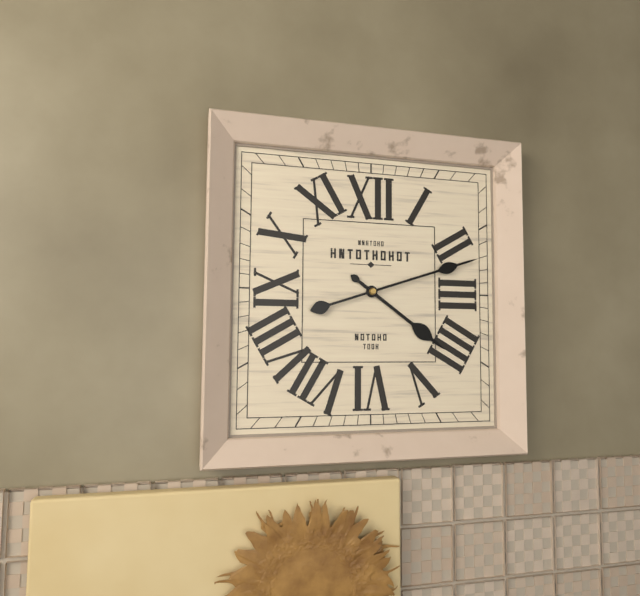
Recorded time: 4.12
